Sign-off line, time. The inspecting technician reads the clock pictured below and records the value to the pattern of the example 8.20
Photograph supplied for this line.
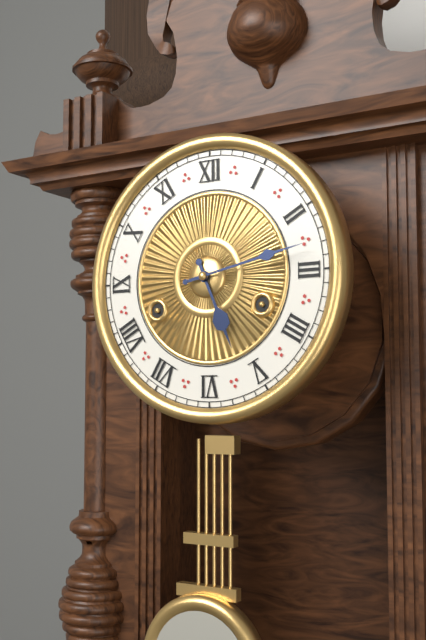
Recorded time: 5.13
